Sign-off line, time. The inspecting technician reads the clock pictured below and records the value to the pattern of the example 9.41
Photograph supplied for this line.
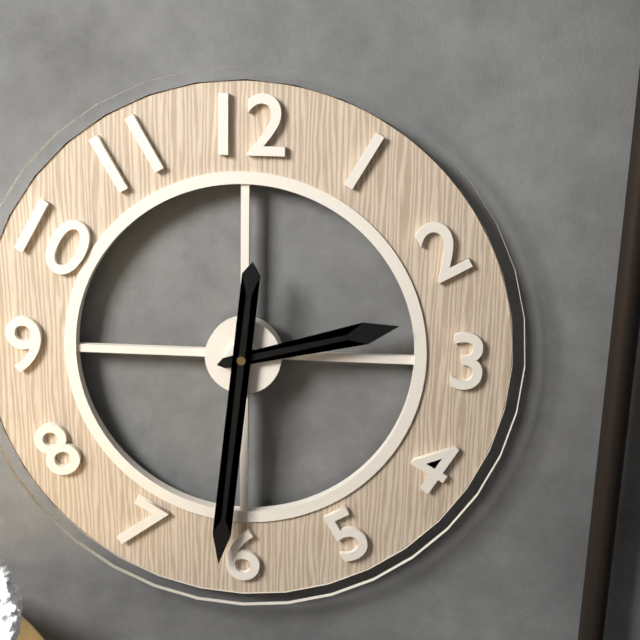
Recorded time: 2.31
